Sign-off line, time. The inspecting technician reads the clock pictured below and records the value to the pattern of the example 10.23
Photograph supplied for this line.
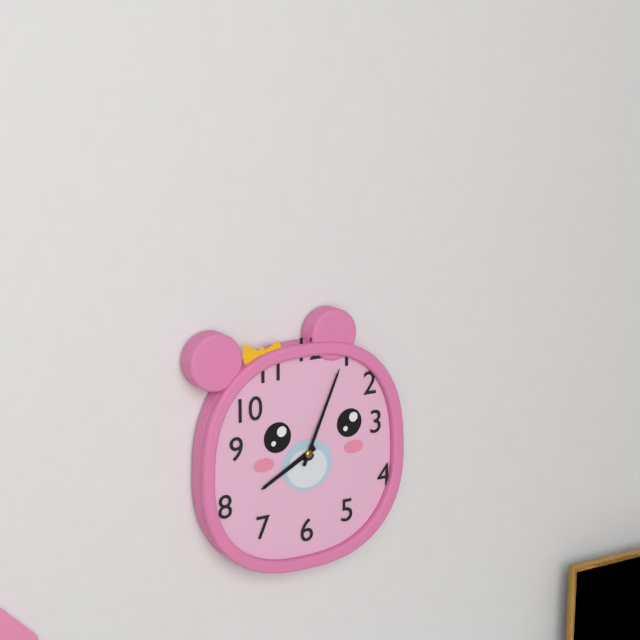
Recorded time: 8.04
